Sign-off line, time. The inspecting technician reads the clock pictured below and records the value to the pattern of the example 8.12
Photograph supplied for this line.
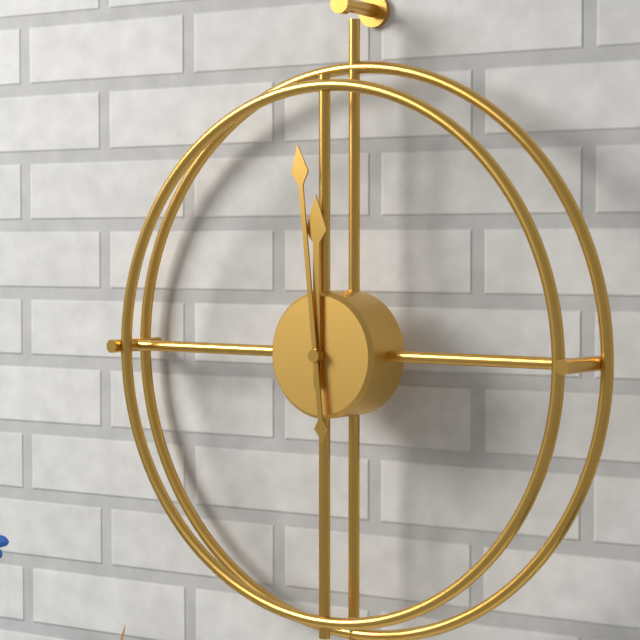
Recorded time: 11.59
